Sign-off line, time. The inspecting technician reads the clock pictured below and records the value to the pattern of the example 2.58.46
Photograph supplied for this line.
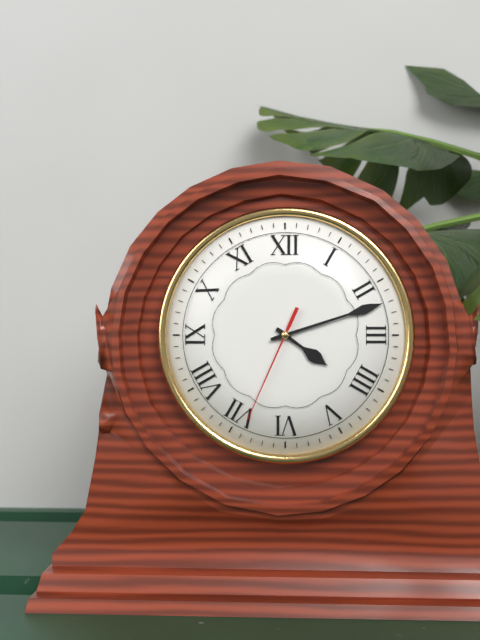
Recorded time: 4.12.34
